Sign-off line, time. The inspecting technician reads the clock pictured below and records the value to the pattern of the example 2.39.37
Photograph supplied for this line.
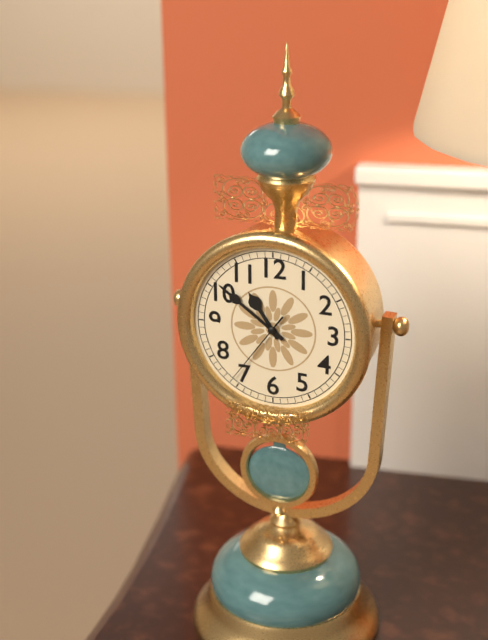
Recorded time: 10.51.36
